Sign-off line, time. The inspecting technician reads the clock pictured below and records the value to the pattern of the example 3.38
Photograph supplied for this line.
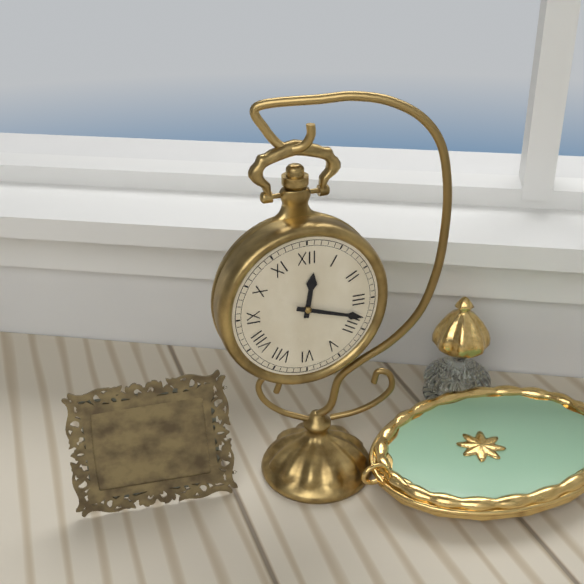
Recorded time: 12.18
